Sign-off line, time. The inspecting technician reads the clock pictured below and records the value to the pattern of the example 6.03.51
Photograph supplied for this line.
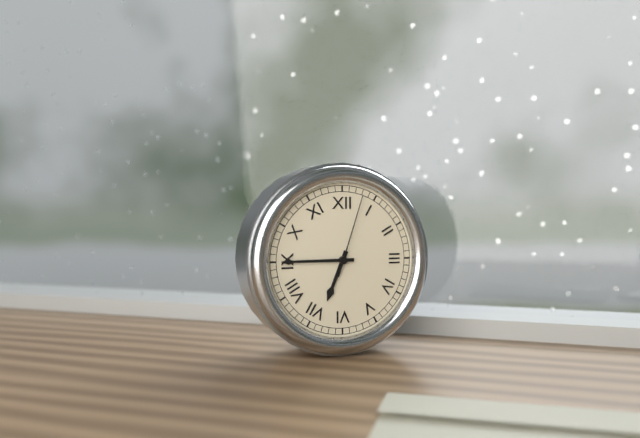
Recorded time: 6.45.03
